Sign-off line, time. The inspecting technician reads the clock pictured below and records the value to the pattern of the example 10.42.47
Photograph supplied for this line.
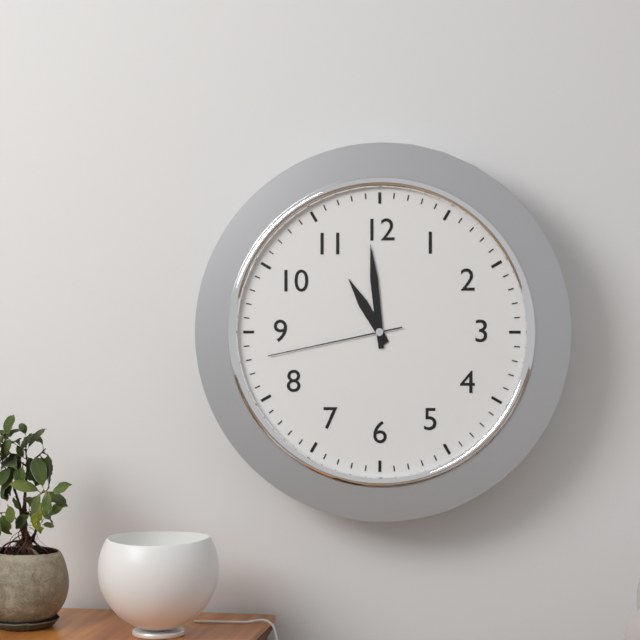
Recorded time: 10.59.43
